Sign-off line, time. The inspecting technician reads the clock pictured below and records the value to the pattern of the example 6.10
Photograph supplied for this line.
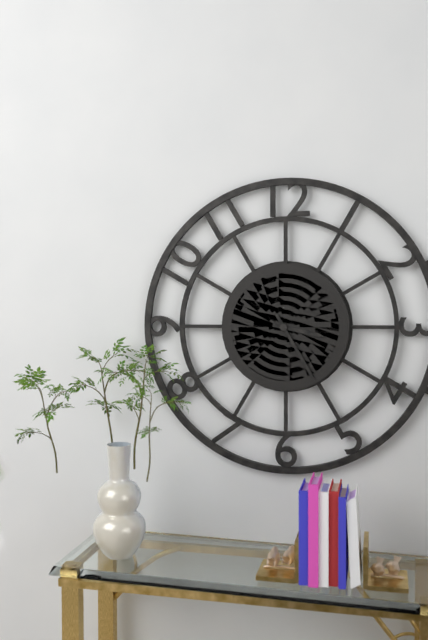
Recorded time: 3.25
